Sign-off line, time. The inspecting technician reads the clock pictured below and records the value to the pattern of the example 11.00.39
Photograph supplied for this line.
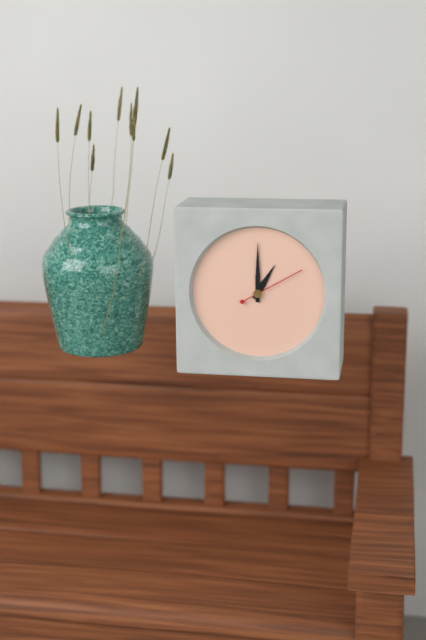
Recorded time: 1.00.10
